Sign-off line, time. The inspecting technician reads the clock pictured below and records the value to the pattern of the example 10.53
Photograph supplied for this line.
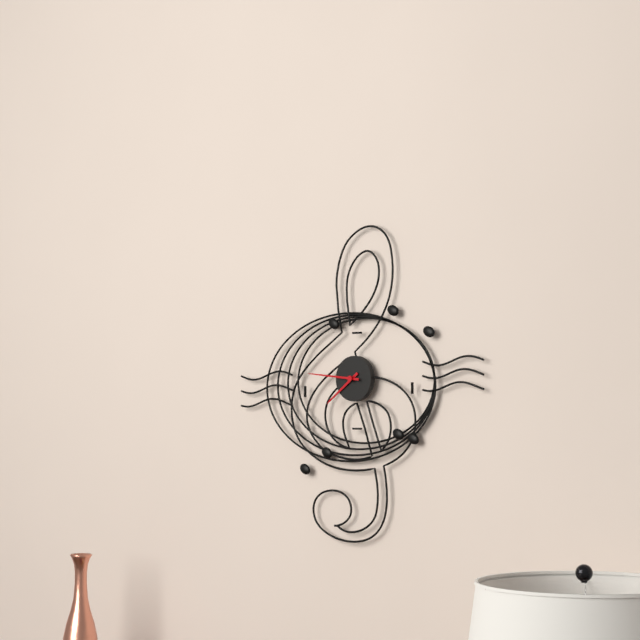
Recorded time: 7.46
